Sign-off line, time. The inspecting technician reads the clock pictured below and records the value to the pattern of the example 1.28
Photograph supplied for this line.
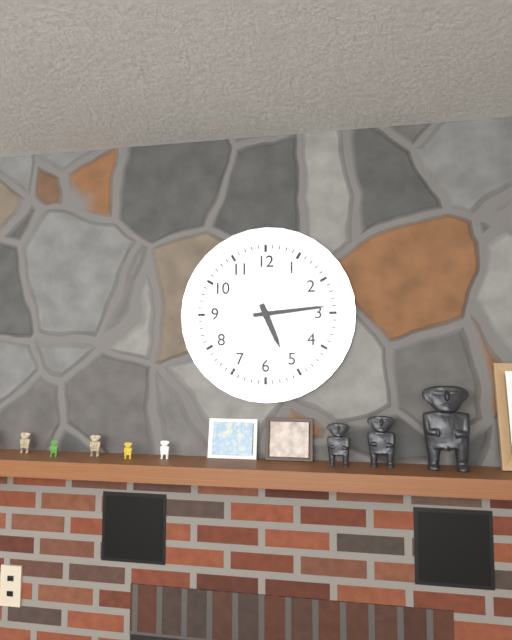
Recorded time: 5.14
